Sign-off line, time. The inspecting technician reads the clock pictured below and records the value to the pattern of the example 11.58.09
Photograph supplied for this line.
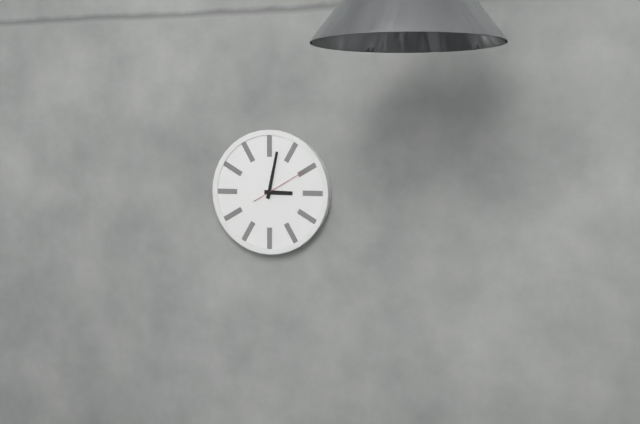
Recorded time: 3.02.10
